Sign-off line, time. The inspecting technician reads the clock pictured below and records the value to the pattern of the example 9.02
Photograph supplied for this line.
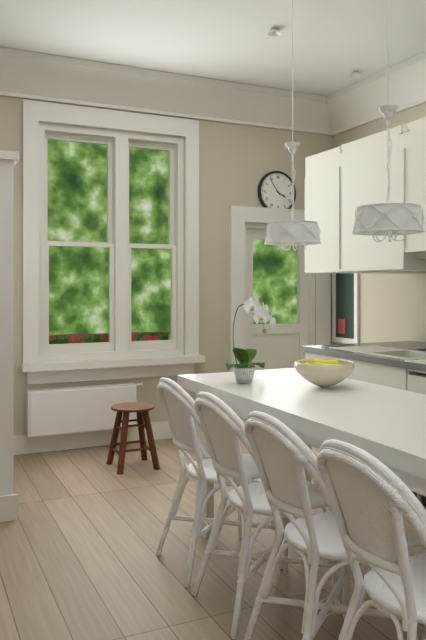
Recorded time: 3.54
